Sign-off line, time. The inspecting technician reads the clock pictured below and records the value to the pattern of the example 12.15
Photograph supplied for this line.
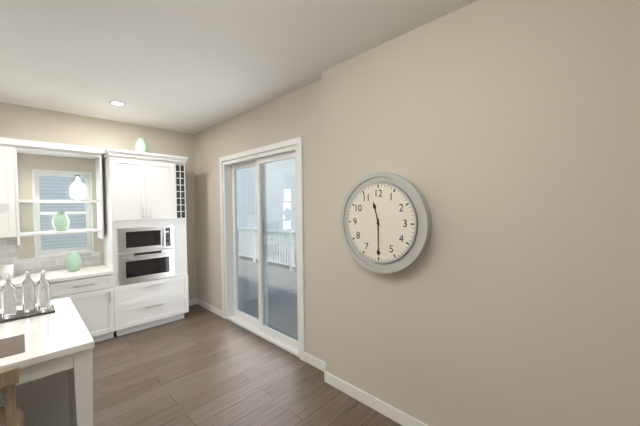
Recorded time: 11.30
